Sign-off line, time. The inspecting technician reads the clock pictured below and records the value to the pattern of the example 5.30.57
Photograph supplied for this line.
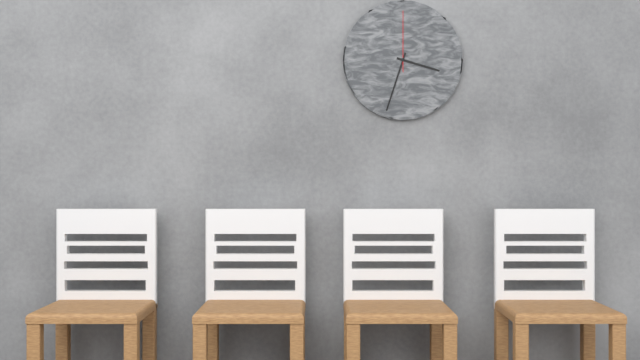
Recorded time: 3.33.00
